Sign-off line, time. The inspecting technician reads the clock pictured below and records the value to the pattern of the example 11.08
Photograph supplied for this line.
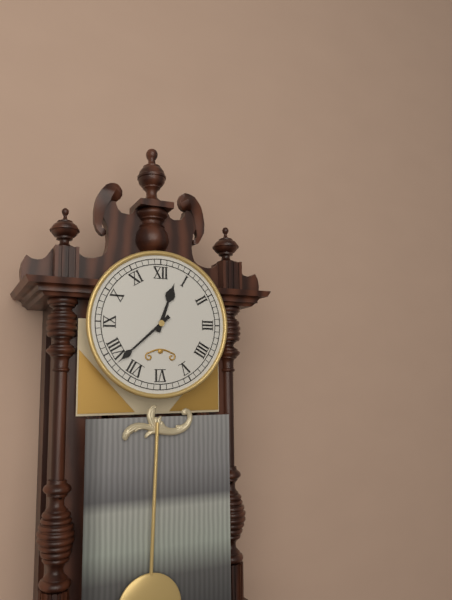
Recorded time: 12.38
